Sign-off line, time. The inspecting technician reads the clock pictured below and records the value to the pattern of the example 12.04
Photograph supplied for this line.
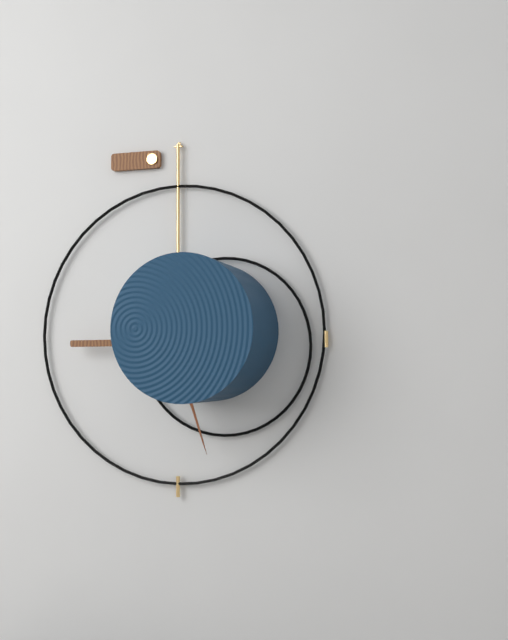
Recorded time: 5.27
